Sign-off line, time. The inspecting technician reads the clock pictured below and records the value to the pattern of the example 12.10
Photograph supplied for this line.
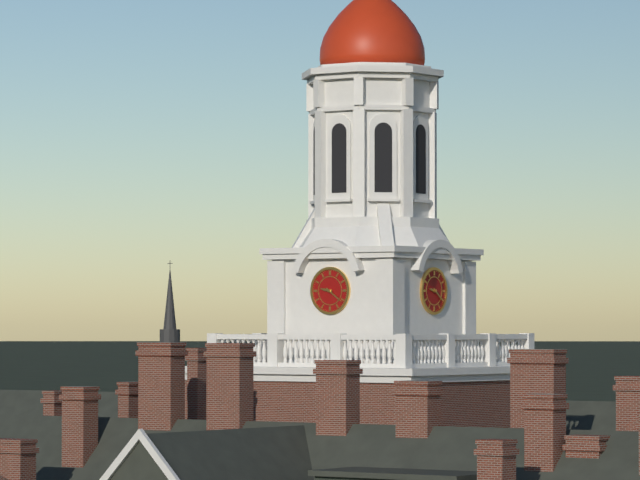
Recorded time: 9.21
